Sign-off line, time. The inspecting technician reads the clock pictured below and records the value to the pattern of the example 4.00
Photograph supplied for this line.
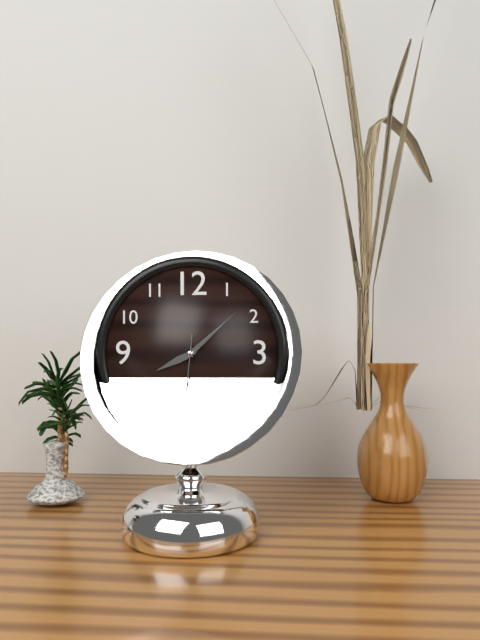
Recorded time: 8.08
